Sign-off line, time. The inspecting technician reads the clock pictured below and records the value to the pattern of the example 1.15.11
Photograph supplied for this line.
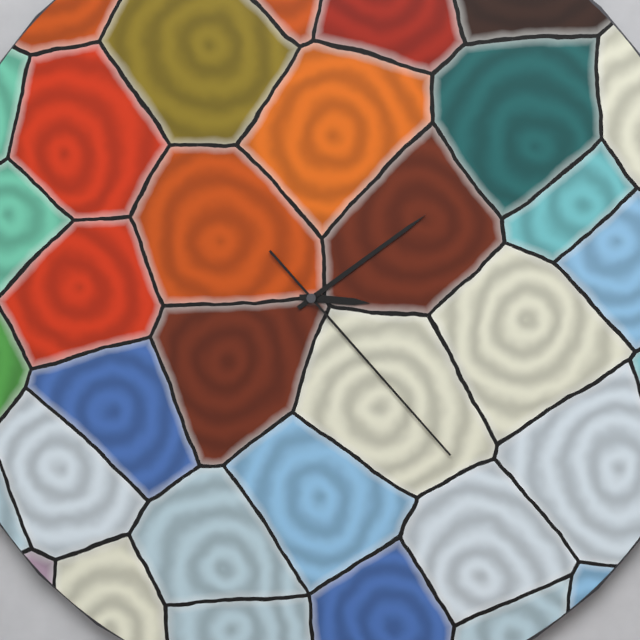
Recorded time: 3.09.23
